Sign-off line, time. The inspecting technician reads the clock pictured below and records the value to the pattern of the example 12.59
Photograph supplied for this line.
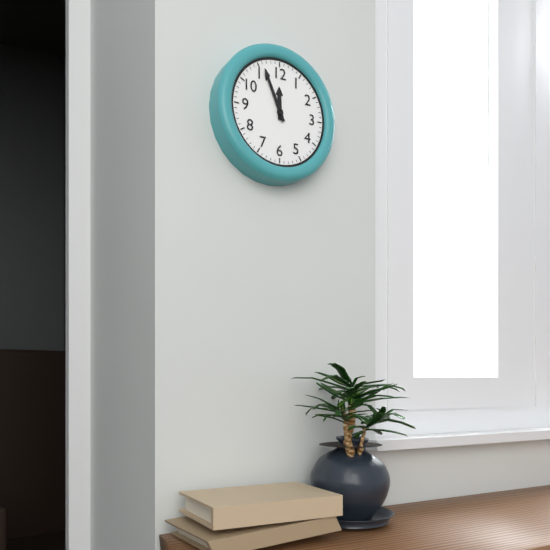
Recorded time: 11.56
